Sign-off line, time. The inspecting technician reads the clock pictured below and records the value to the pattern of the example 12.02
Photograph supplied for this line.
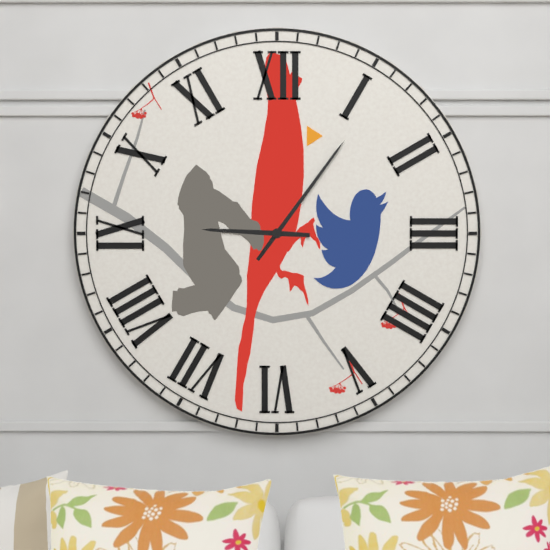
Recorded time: 9.06
